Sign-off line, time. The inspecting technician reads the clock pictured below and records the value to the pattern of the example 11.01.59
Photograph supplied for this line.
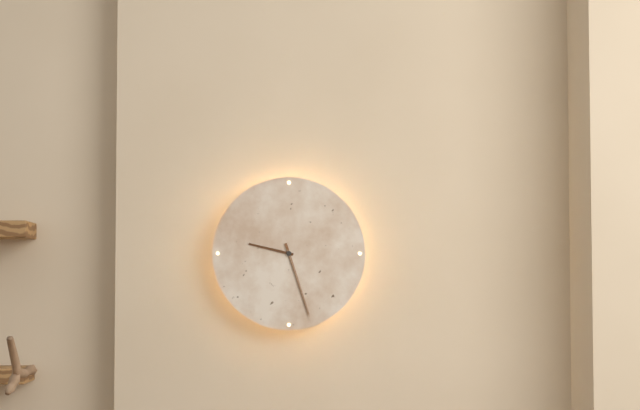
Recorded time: 9.27.27
